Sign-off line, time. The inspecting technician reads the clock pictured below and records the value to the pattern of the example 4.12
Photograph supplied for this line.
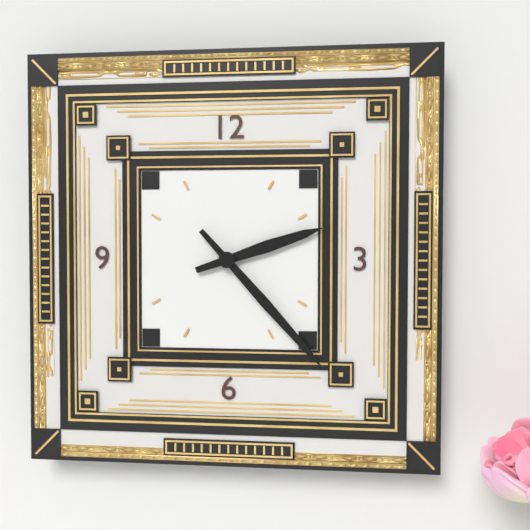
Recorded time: 2.23
